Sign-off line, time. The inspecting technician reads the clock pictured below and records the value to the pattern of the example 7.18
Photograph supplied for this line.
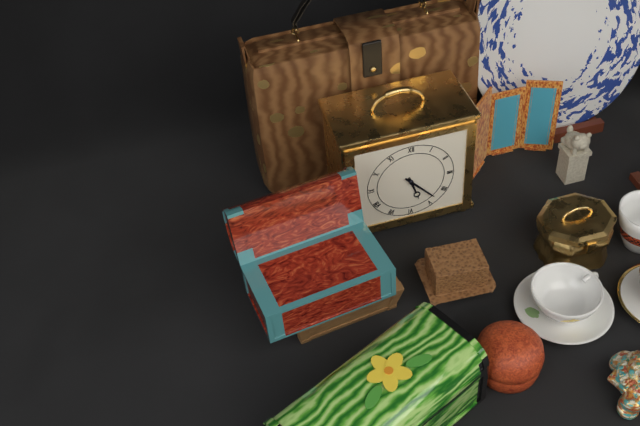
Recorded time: 5.23
